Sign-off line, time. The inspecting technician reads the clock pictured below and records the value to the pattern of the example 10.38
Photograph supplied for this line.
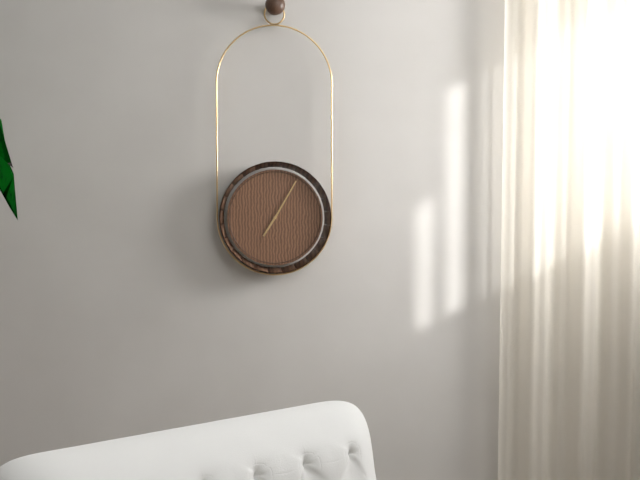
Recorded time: 7.05
